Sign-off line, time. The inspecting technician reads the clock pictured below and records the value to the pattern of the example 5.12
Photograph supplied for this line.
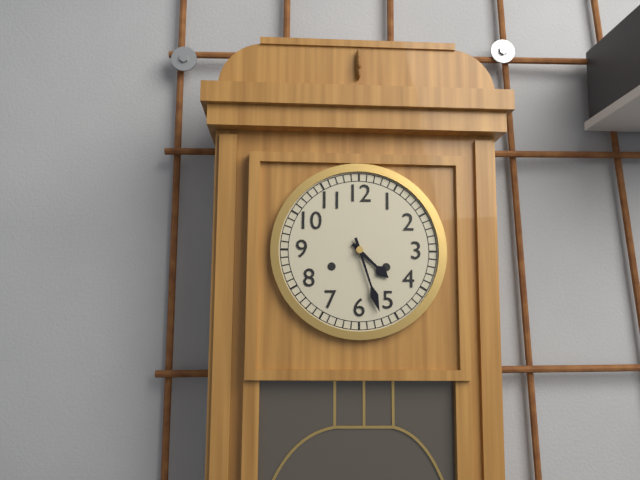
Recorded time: 4.27
